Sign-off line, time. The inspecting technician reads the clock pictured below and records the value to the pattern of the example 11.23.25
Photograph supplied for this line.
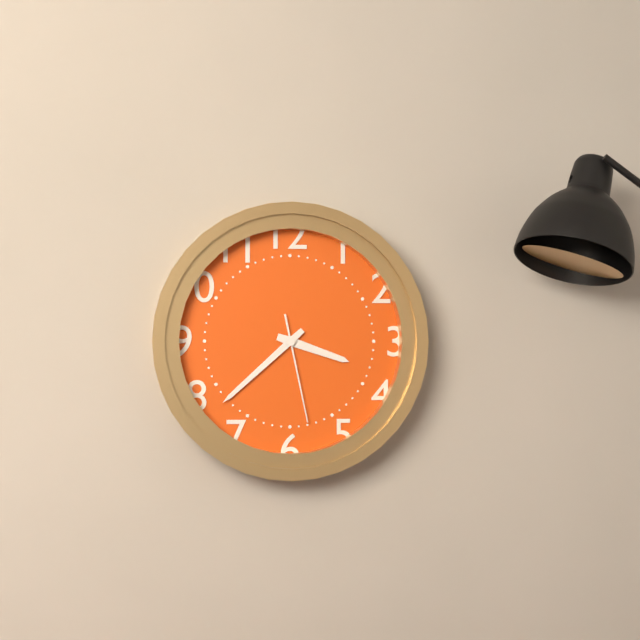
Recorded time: 3.38.28
